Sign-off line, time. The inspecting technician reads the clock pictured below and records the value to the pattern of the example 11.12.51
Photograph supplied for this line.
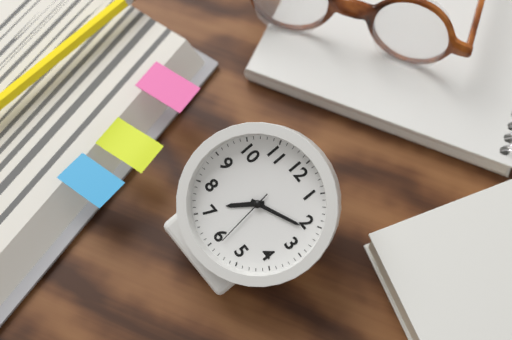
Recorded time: 7.11.29
